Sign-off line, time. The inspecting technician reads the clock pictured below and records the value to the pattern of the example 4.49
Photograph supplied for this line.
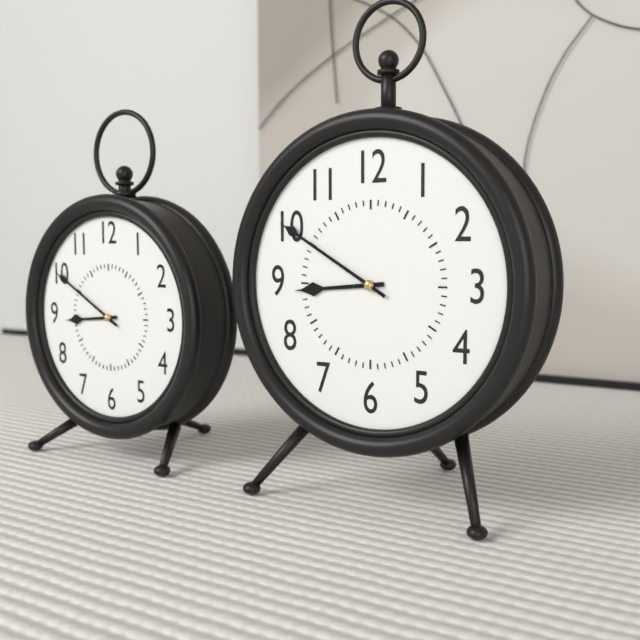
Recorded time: 8.50
